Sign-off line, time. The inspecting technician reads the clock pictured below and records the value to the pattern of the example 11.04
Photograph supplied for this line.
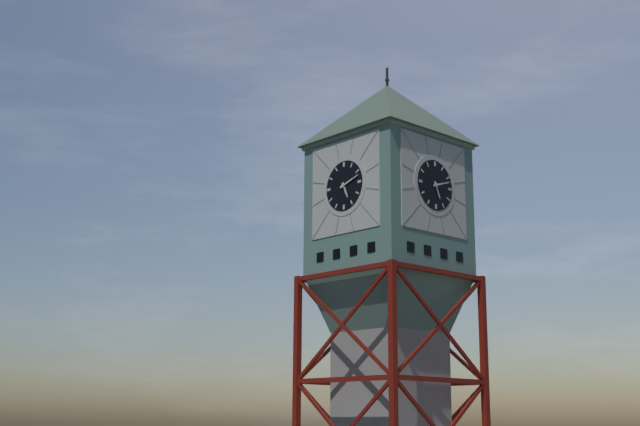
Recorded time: 5.12
